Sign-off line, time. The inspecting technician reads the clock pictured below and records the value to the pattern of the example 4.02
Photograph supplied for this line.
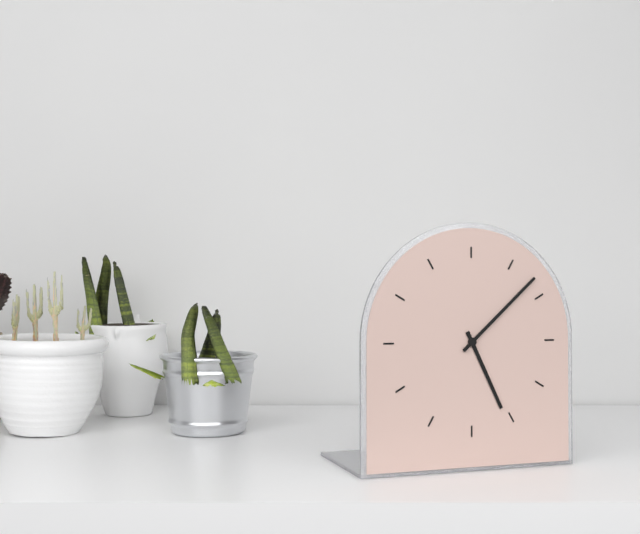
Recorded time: 5.08
